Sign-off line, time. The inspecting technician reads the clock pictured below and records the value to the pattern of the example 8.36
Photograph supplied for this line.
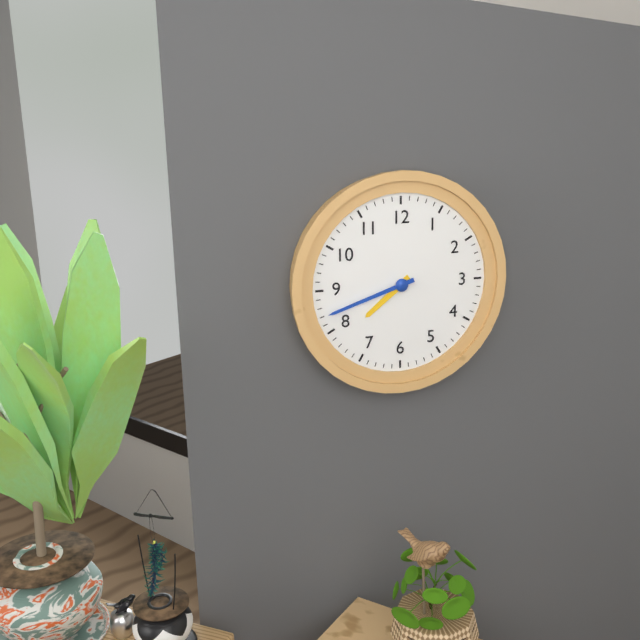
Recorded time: 7.42
